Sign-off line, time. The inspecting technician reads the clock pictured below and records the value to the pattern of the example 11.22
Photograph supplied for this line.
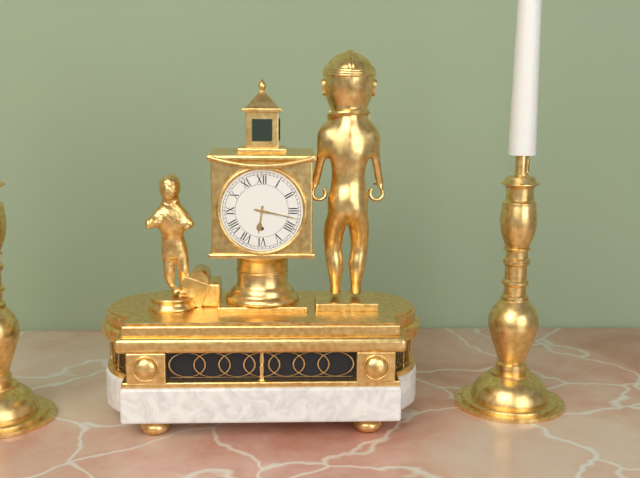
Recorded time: 6.17
